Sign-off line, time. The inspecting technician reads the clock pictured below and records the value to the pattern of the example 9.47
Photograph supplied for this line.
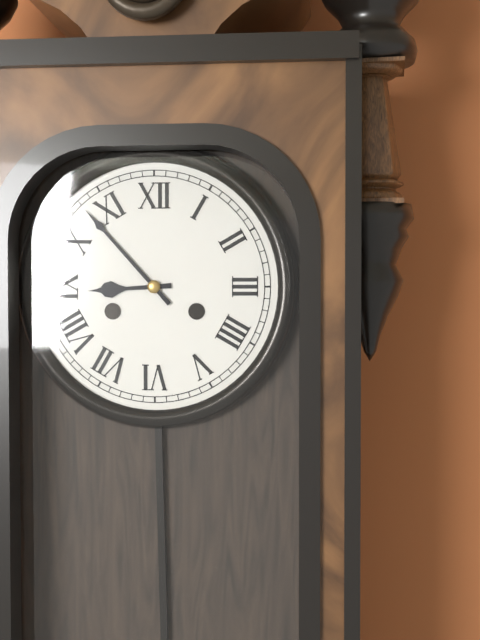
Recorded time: 8.53
